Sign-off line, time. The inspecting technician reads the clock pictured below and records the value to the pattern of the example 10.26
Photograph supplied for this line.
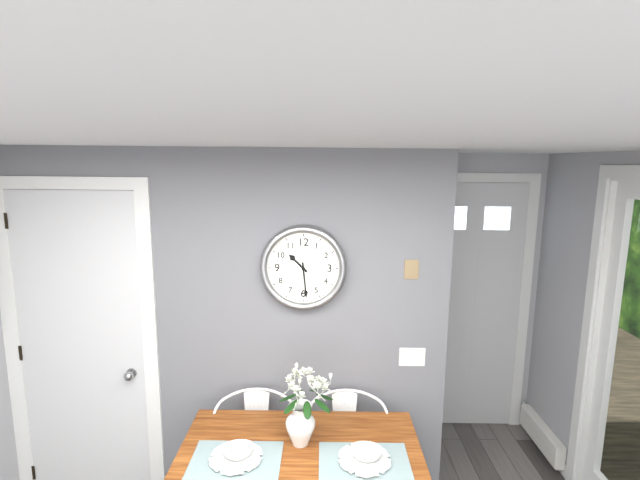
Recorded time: 10.29
